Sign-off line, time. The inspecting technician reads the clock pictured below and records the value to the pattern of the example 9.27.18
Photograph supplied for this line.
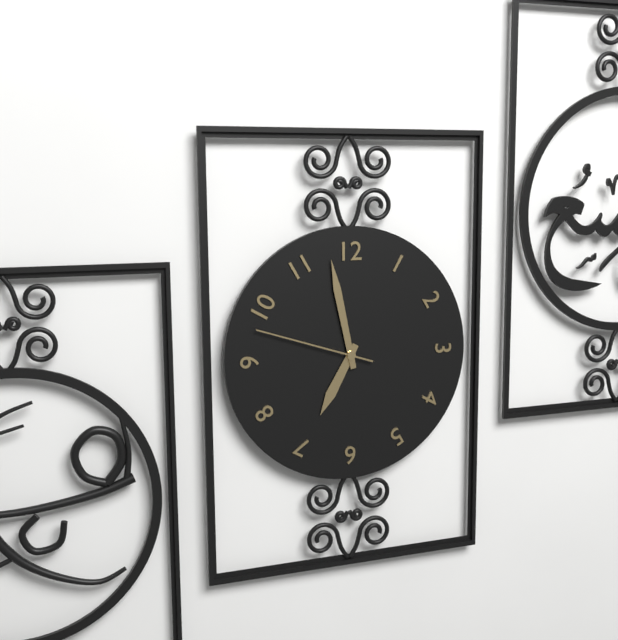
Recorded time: 6.58.48
